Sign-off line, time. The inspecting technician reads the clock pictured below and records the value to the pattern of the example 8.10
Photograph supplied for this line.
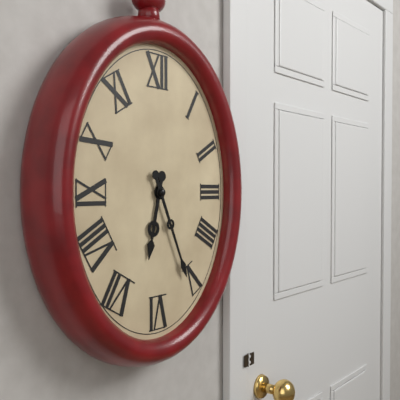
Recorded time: 6.26
